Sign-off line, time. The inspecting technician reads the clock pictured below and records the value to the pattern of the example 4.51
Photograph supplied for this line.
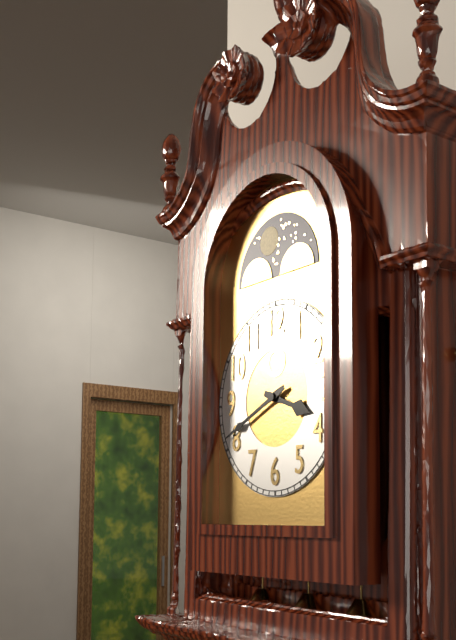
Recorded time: 3.41
